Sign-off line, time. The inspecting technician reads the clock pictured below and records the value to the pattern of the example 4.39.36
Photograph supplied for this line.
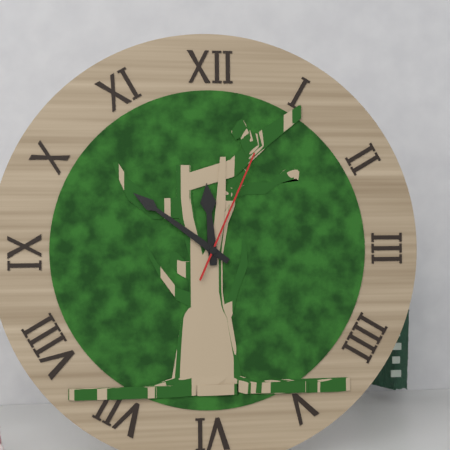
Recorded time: 11.51.04
